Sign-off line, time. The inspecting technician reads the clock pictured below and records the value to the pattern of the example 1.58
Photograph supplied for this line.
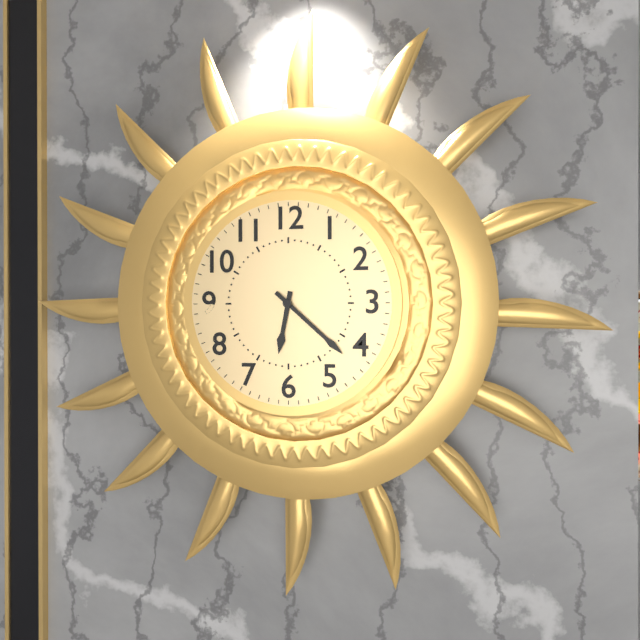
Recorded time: 6.22
